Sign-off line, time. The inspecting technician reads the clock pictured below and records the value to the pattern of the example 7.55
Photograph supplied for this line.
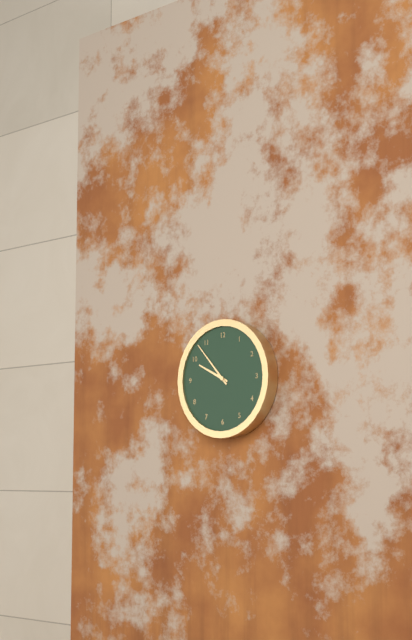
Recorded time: 9.53
